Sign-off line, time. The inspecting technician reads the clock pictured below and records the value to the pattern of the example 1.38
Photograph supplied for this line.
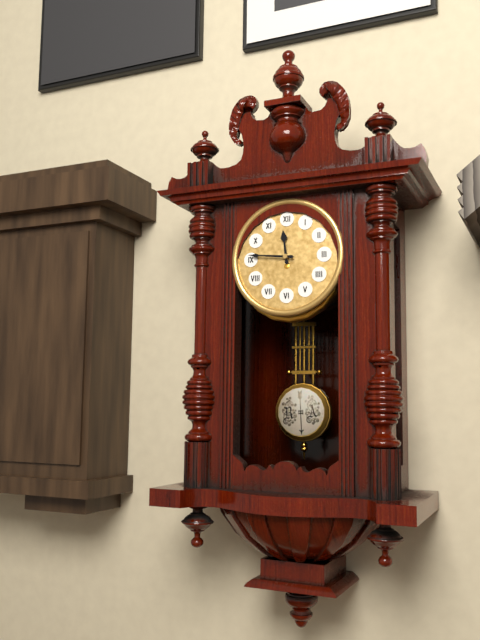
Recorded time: 11.46
